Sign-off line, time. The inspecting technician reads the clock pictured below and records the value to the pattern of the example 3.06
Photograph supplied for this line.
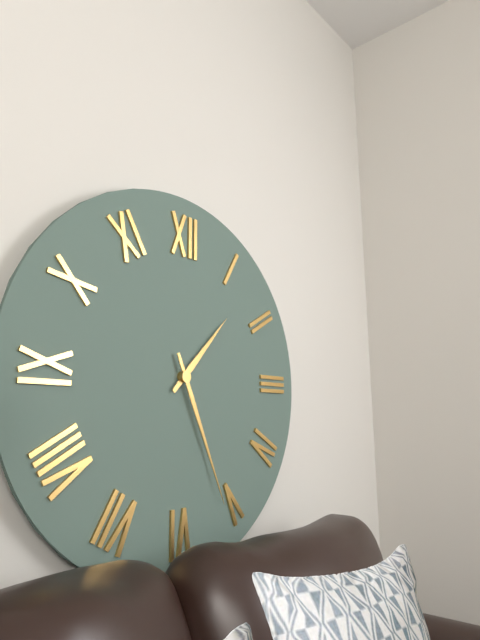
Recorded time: 1.26
